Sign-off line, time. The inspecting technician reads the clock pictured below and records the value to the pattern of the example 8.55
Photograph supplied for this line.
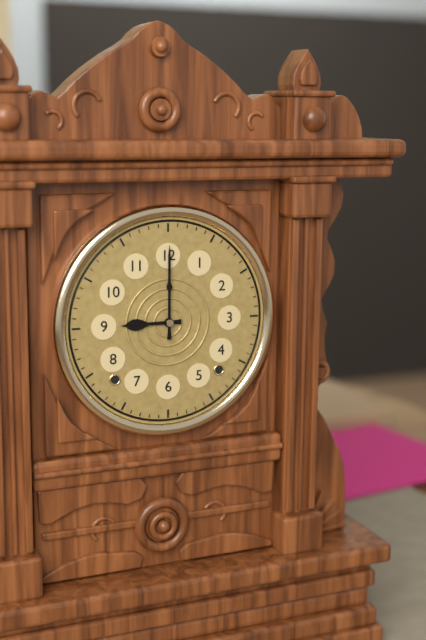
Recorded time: 9.00
